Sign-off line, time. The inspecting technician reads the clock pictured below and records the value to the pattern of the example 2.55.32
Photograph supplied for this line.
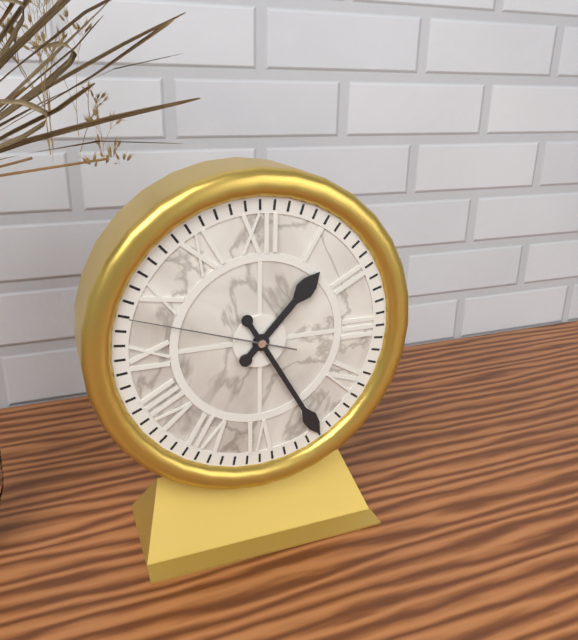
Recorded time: 1.25.48
